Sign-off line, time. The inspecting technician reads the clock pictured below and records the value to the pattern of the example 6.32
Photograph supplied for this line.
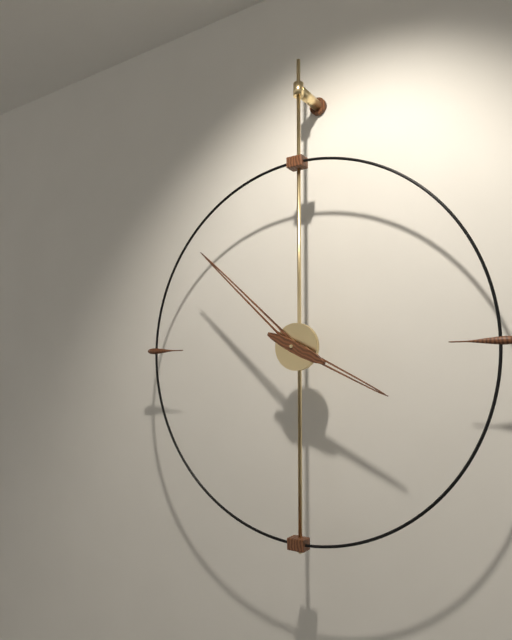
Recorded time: 3.52
